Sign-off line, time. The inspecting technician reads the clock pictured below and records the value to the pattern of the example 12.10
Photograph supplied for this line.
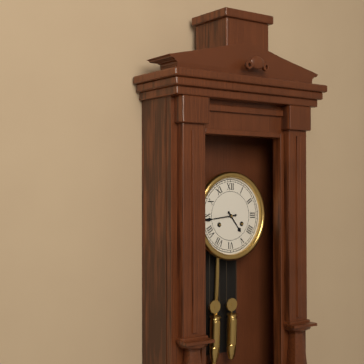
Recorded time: 4.44
